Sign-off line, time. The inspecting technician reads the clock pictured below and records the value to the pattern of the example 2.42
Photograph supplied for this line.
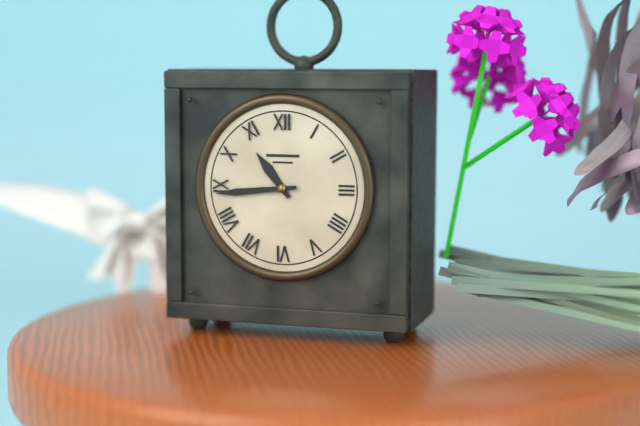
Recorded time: 10.44
